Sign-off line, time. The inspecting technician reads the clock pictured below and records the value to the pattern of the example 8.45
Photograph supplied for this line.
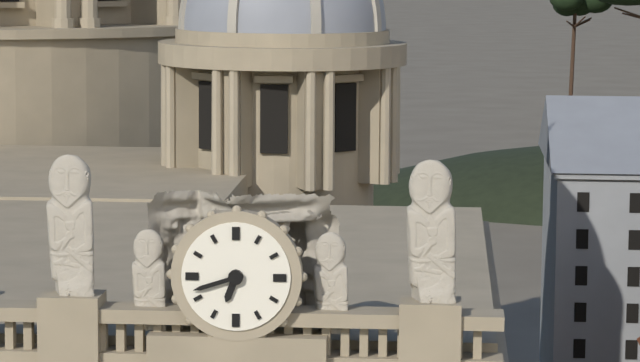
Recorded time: 6.42
